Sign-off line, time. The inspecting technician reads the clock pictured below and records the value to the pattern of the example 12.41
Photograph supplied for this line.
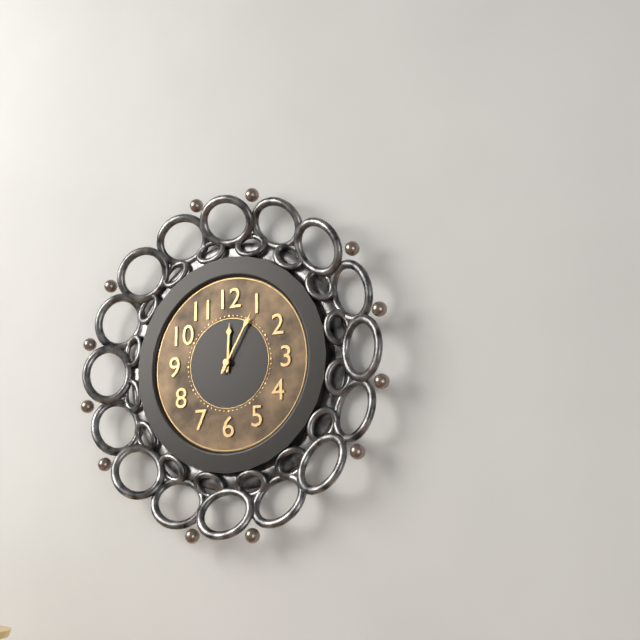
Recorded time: 12.05
